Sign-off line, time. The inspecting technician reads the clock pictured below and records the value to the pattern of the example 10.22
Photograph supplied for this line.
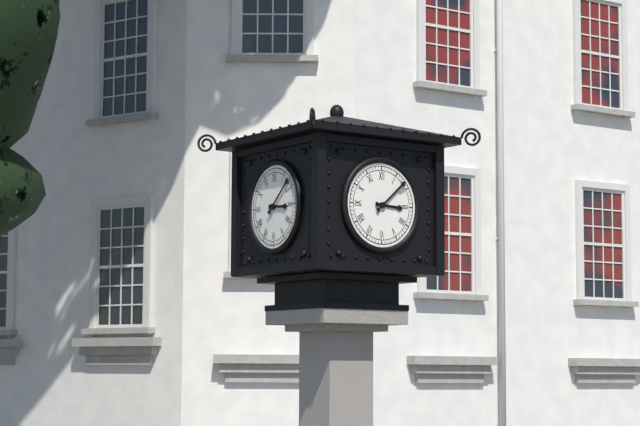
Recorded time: 3.08
